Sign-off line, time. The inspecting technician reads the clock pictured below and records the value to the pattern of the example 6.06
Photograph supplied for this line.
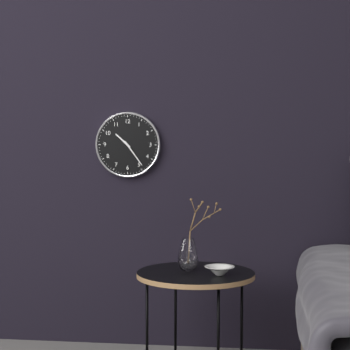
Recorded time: 10.24
